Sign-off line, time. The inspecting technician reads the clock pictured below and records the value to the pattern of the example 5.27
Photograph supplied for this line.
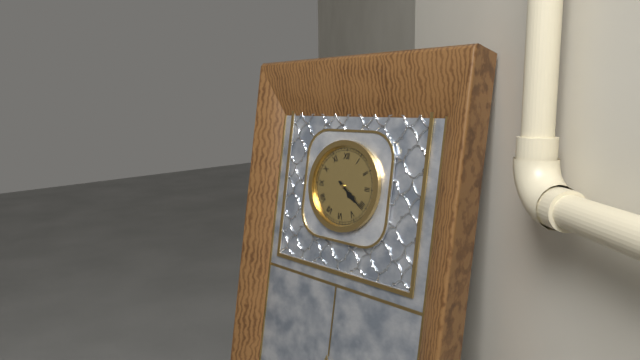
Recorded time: 4.21
